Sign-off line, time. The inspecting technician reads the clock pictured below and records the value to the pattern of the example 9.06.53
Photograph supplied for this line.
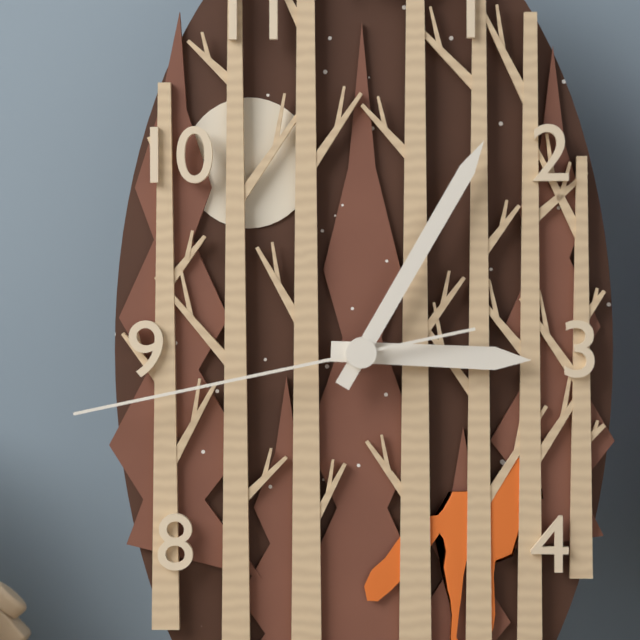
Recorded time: 3.05.43
